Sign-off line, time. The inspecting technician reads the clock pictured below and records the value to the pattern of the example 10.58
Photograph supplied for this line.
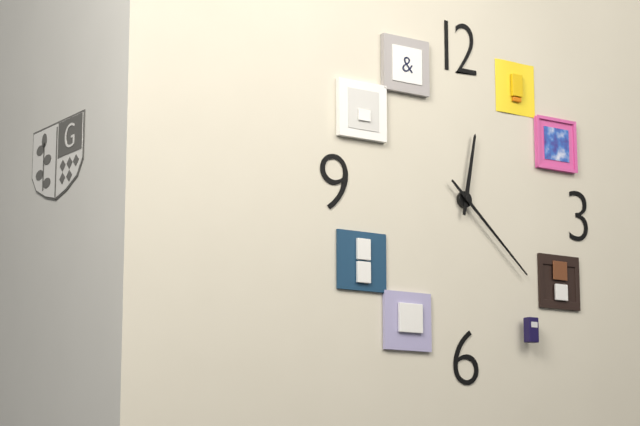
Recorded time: 12.22
